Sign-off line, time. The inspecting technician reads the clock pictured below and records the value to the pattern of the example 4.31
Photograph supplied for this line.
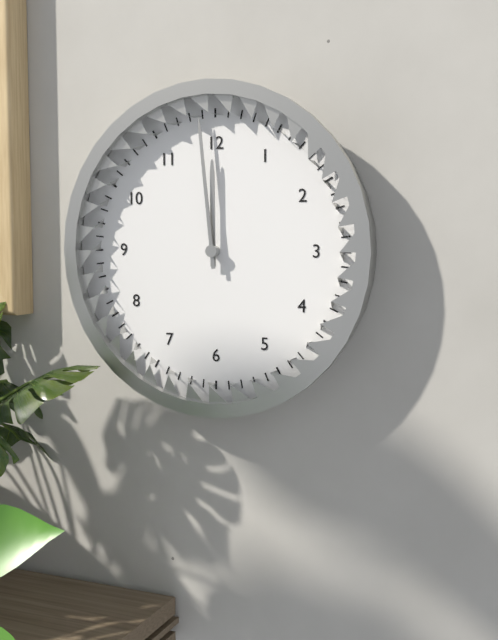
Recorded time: 11.59
